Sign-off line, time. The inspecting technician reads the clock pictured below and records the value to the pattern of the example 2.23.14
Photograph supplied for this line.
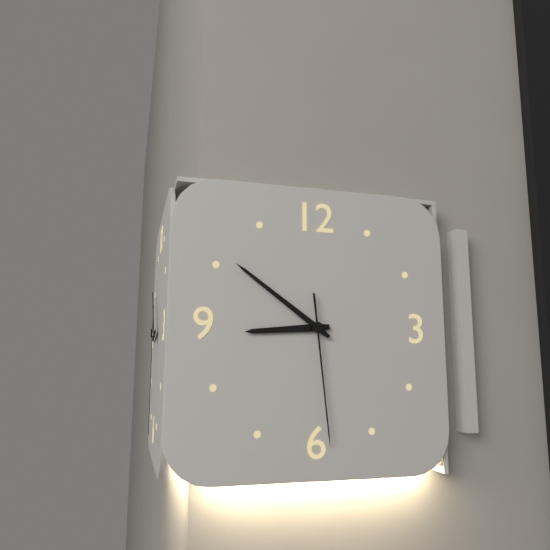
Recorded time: 8.51.29
